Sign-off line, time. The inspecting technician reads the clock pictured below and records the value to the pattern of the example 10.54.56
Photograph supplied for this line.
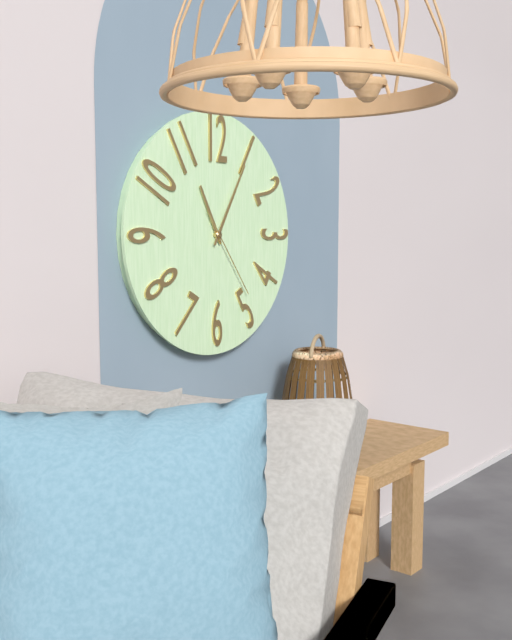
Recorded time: 11.05.24
